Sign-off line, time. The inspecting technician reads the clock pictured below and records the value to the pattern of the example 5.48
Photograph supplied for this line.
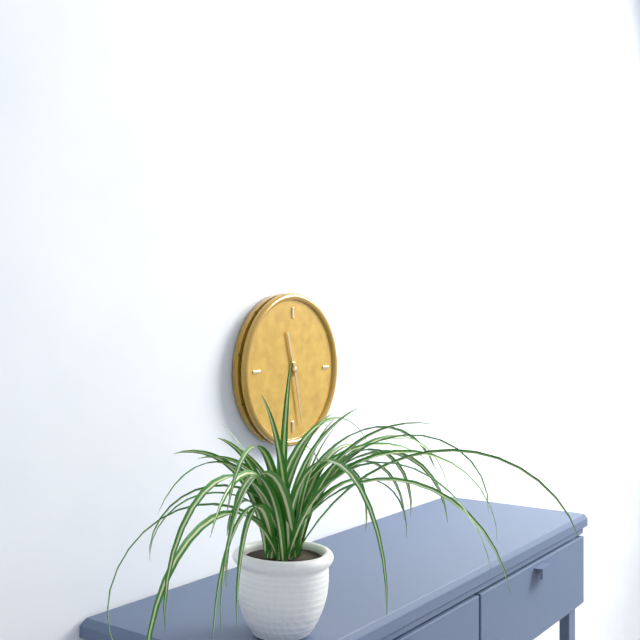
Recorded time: 11.28
